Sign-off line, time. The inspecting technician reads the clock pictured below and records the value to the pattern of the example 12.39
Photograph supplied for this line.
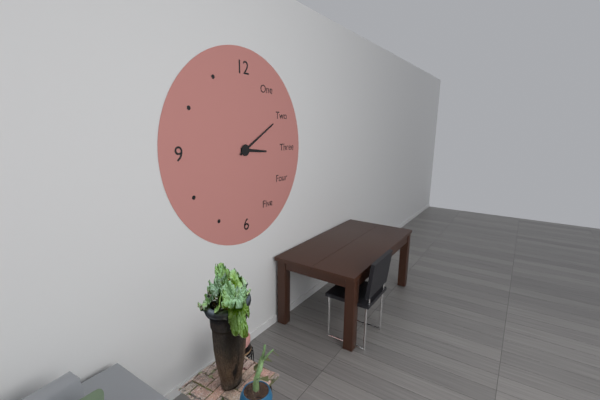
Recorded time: 3.10
